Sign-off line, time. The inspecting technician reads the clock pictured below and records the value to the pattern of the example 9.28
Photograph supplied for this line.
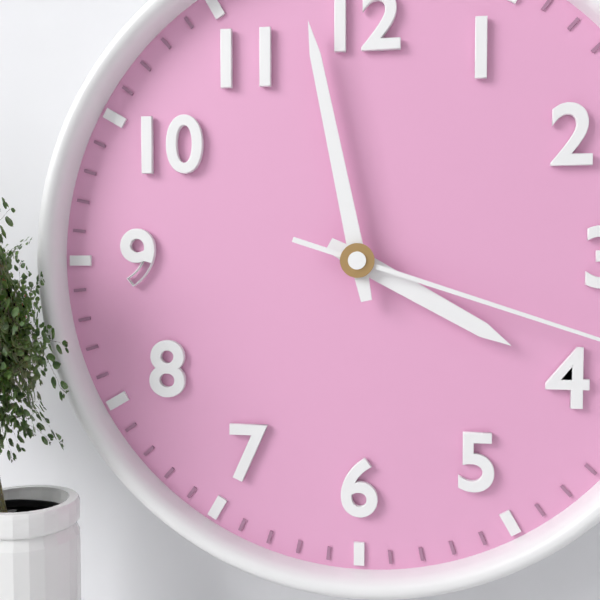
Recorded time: 3.58
